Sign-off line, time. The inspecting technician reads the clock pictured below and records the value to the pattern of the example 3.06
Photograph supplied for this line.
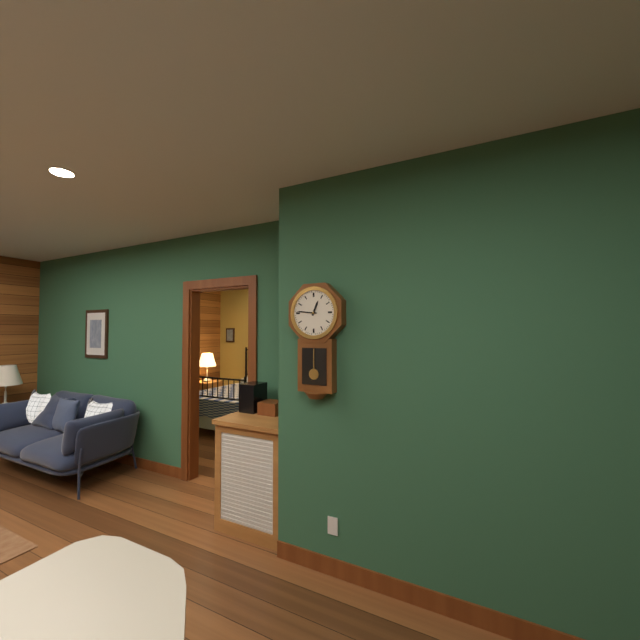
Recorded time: 12.46
